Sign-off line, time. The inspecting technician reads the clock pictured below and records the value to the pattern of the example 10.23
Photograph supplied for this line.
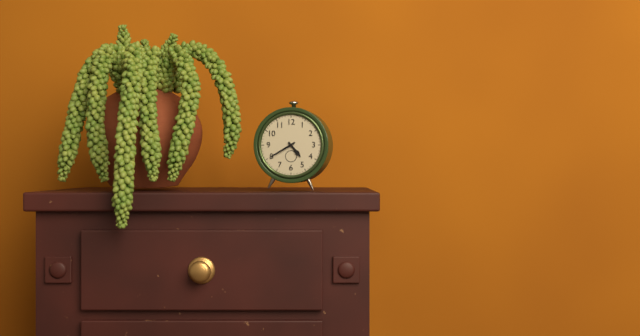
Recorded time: 4.40
